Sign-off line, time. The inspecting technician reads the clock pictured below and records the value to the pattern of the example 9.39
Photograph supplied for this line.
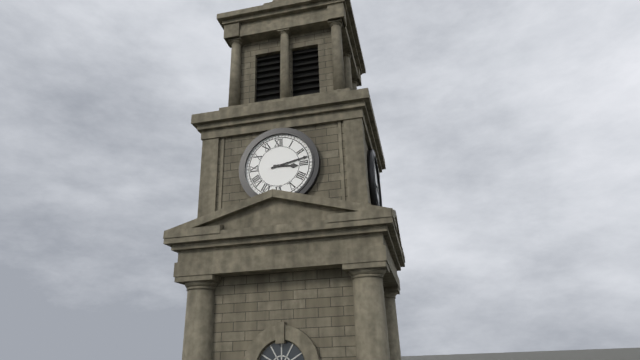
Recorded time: 3.13
